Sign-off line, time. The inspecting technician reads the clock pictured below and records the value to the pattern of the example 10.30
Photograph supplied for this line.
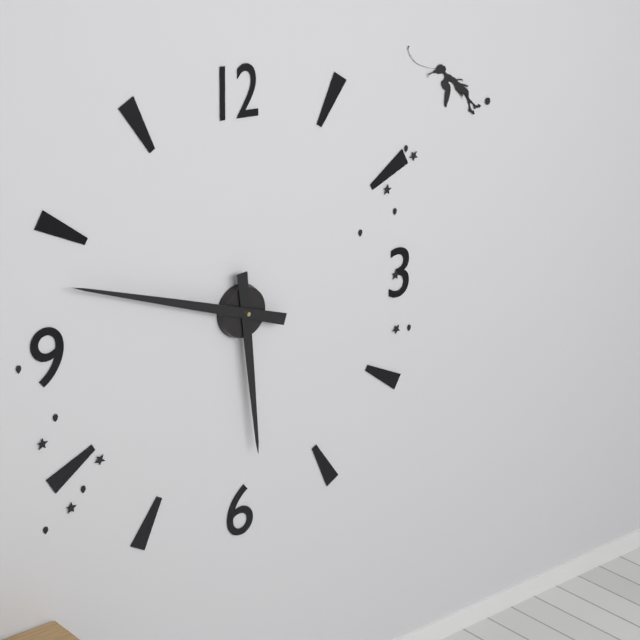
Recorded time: 5.48
